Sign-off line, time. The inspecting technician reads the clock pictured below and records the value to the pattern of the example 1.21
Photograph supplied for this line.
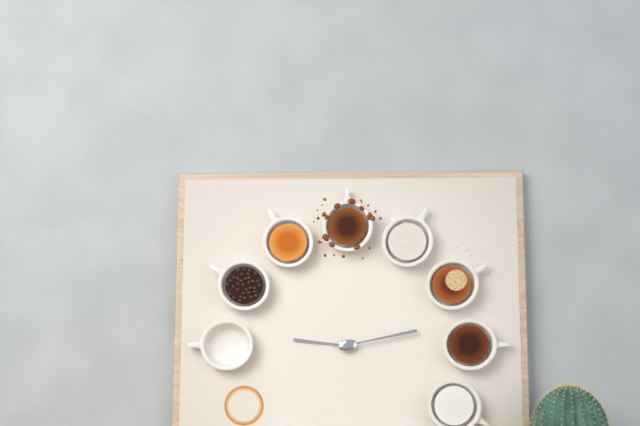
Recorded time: 9.13
